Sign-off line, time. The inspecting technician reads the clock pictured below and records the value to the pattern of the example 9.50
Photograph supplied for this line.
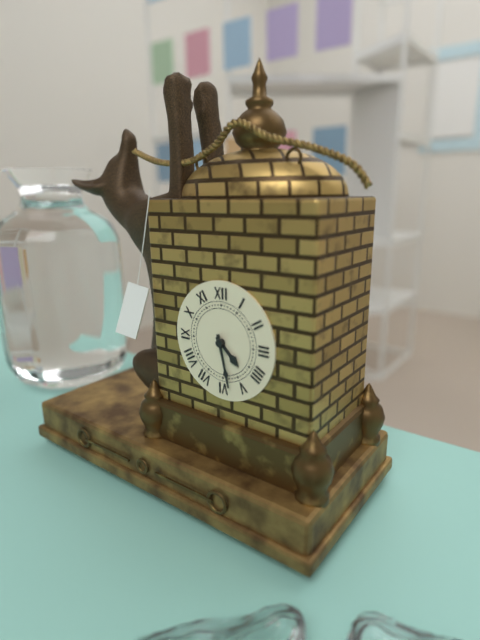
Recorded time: 4.28
